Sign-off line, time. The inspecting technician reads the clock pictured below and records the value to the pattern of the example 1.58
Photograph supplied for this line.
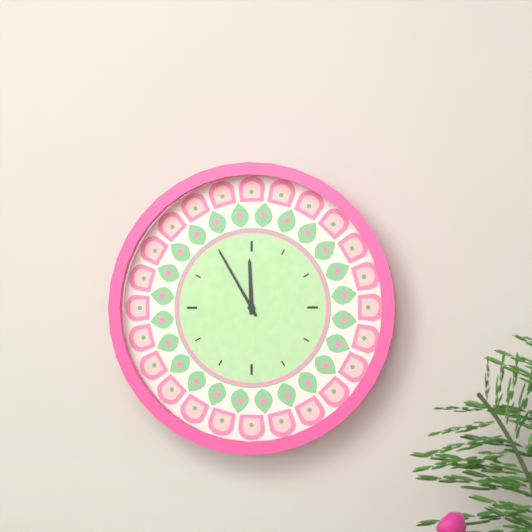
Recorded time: 11.55
